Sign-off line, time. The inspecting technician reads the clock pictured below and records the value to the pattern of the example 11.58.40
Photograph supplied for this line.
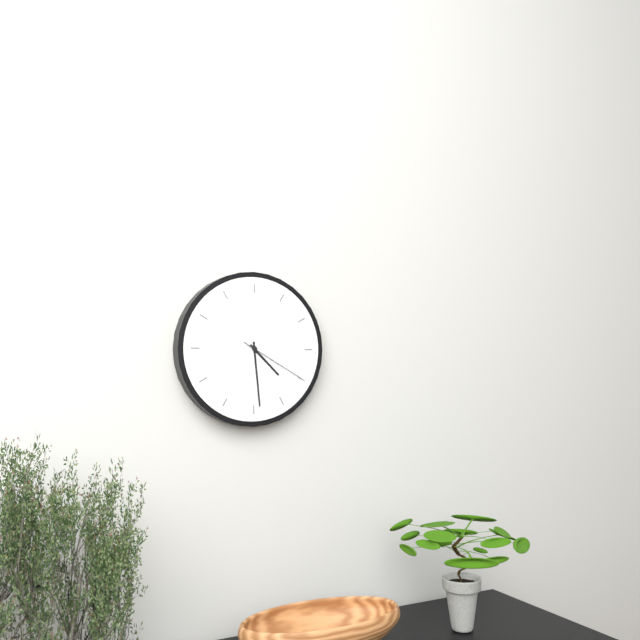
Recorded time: 4.29.20
